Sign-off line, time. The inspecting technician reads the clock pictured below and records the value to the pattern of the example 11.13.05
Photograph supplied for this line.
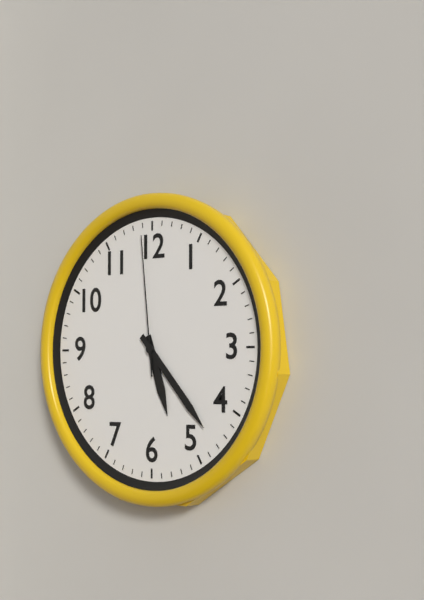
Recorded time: 5.23.59
